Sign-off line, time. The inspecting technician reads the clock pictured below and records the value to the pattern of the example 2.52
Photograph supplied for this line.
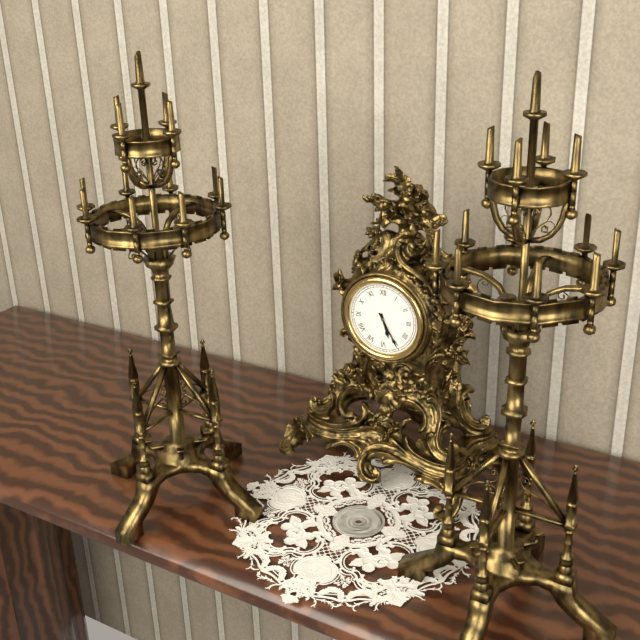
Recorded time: 5.25
